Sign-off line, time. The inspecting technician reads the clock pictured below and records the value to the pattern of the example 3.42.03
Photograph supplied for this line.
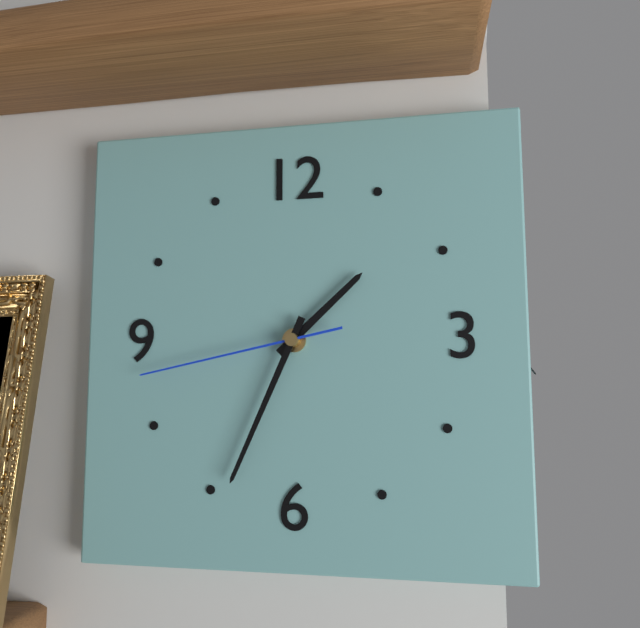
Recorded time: 1.34.43
